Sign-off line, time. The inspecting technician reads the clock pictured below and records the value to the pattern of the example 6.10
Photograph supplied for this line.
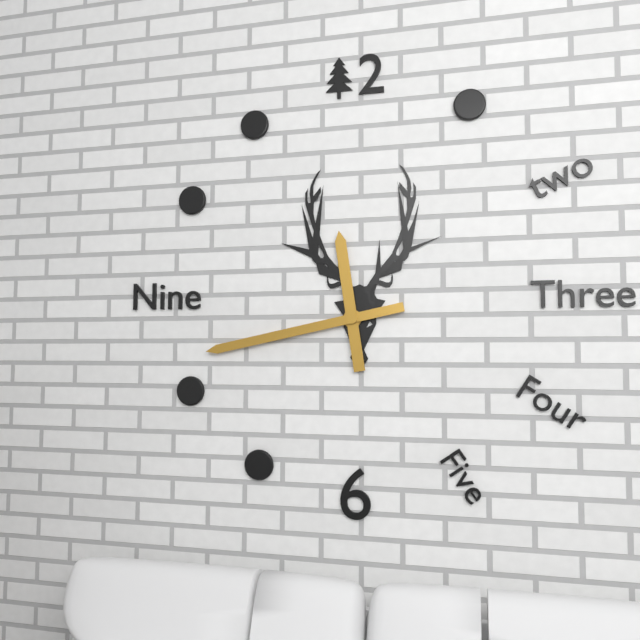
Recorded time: 11.43
